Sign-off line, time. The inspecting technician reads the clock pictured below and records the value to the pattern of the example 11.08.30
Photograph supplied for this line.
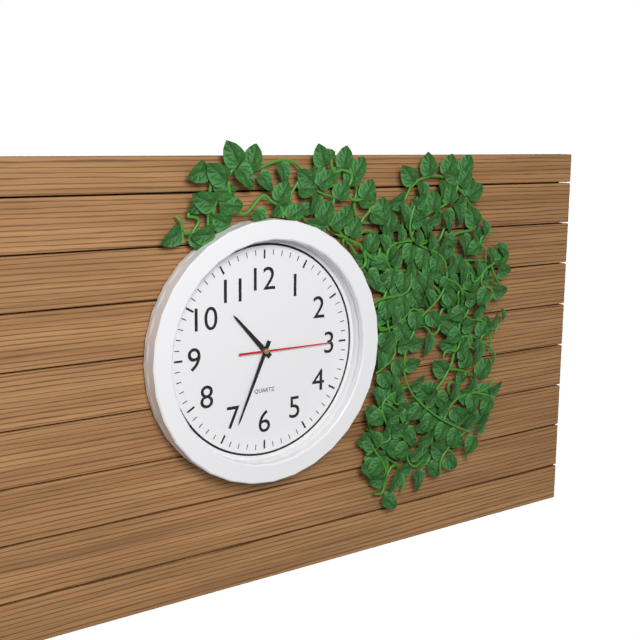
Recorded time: 10.34.15
